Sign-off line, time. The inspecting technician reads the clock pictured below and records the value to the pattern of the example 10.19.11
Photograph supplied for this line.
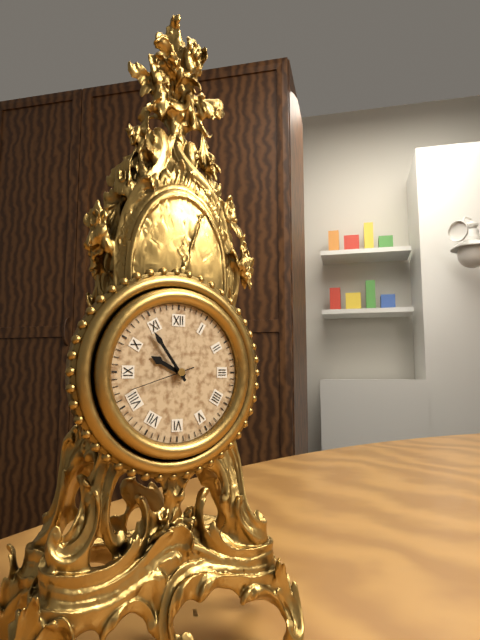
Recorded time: 9.54.42
